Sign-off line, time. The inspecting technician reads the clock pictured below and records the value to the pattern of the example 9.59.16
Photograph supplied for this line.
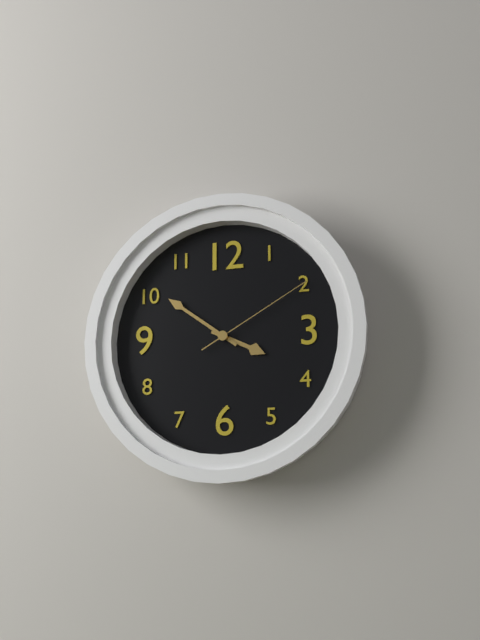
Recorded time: 3.51.10
